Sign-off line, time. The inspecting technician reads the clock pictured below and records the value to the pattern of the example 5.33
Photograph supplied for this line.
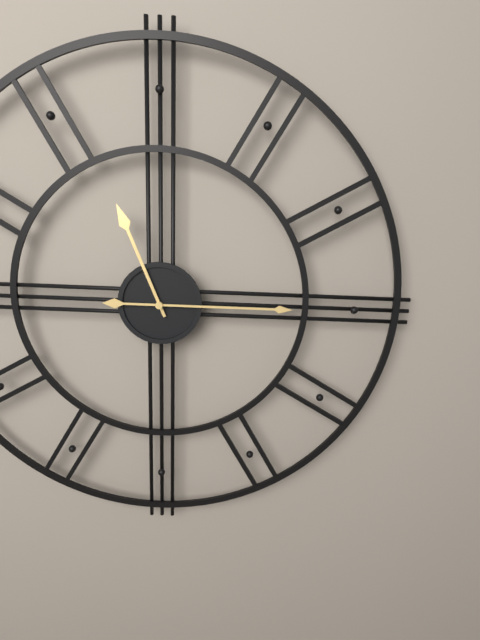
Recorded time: 11.15
